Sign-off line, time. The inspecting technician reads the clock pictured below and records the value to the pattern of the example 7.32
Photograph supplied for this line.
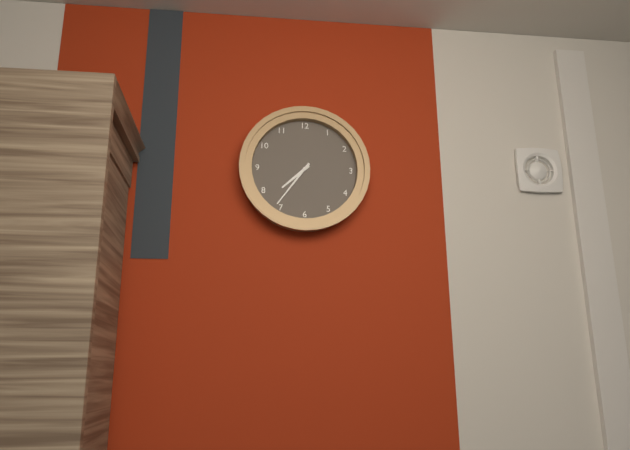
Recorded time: 7.36
